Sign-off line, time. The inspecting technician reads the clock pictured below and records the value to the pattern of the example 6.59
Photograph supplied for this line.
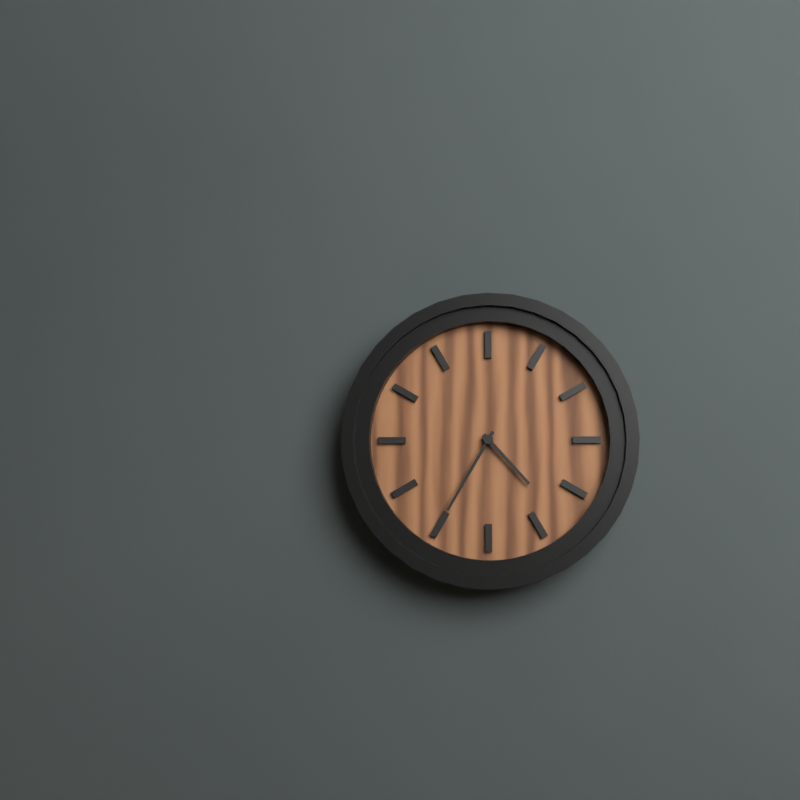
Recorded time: 4.35
